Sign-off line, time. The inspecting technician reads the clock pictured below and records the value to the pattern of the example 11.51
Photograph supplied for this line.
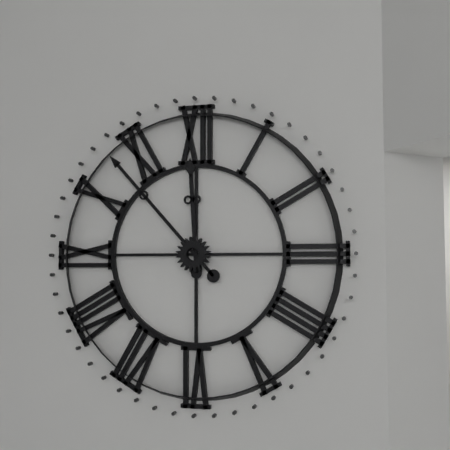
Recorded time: 11.53
